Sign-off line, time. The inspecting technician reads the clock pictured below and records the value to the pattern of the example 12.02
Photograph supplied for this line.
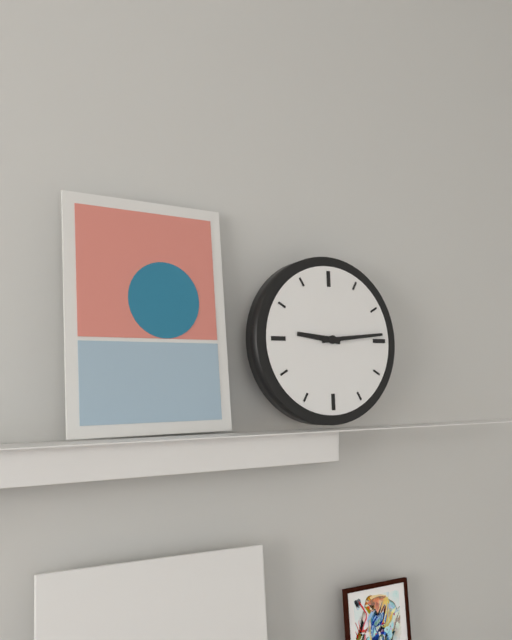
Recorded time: 9.14
